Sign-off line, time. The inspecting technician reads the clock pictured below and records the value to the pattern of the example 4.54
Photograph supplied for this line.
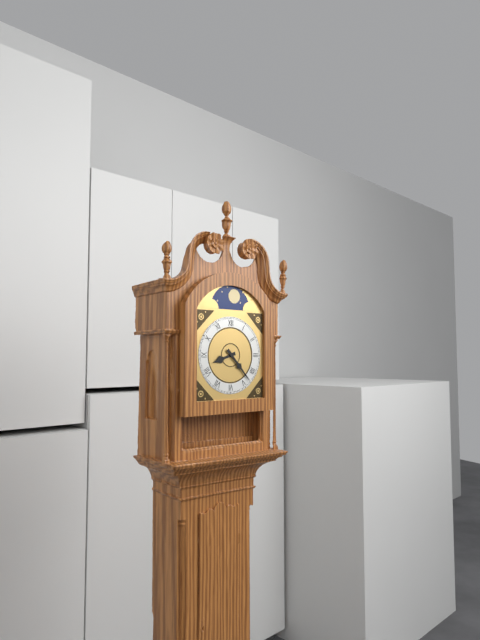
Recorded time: 8.23
